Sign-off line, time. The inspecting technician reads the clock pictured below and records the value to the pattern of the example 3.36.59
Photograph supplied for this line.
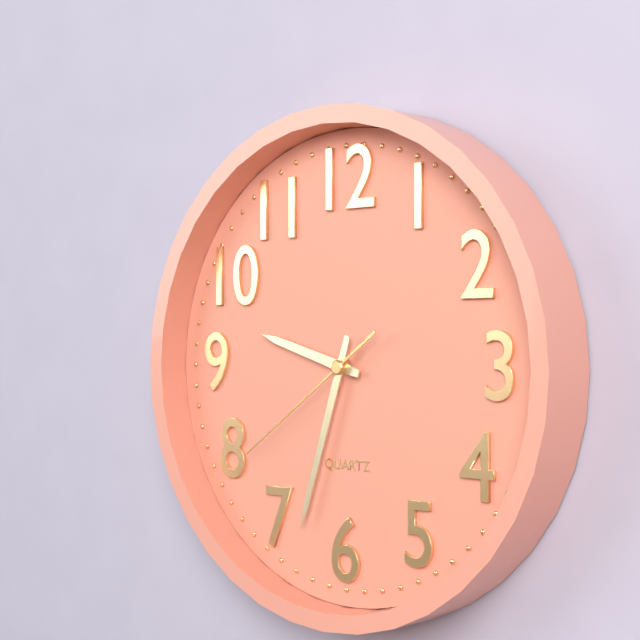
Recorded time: 9.33.39
